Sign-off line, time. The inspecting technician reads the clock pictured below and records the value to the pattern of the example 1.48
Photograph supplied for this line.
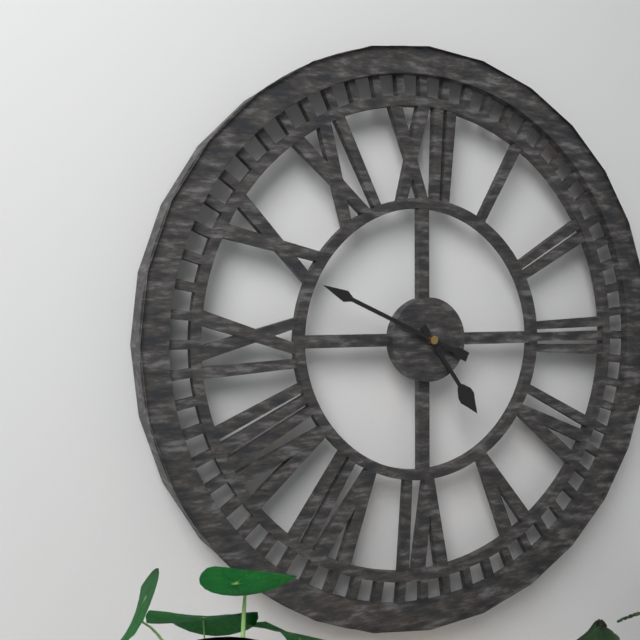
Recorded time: 4.49
